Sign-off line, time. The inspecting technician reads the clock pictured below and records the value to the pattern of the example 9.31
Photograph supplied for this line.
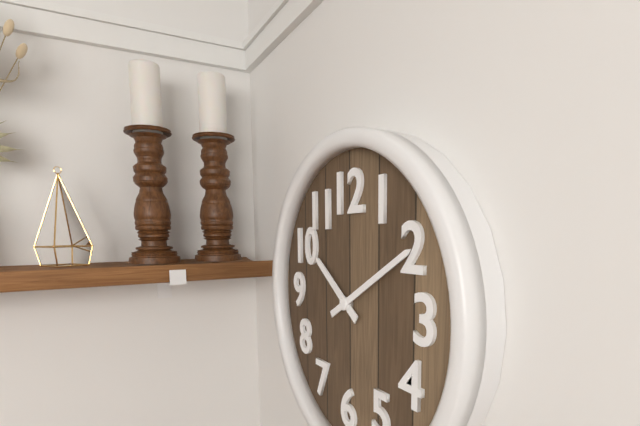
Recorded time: 10.10
